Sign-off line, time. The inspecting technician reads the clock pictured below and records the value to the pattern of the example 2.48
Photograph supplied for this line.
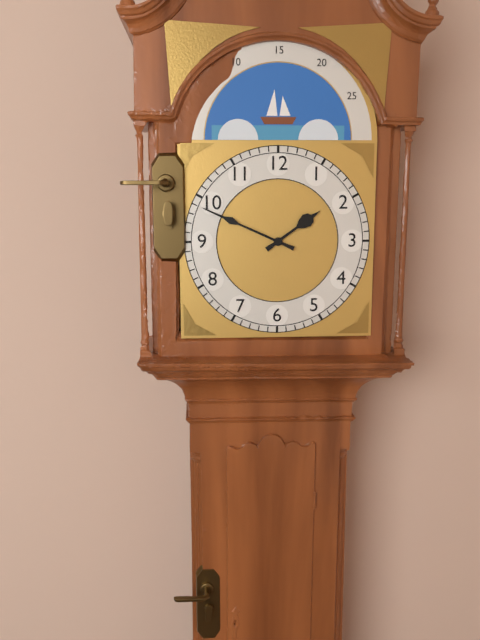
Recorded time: 1.49
